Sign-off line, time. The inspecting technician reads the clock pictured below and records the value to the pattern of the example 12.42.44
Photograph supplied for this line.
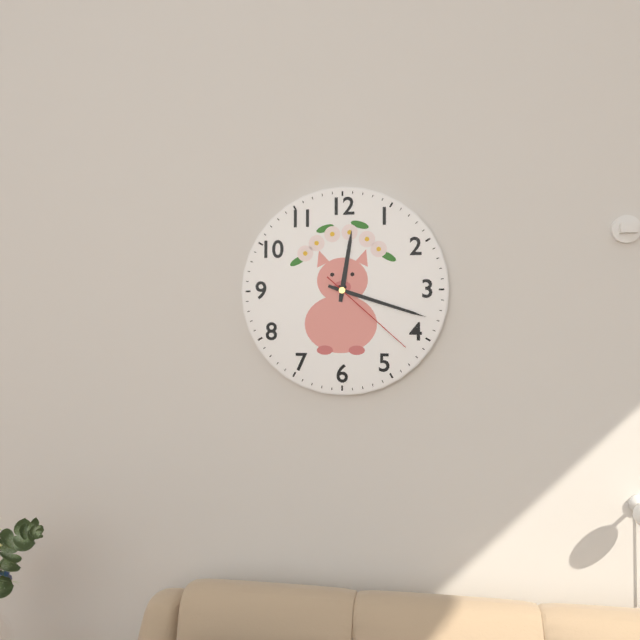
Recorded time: 12.18.22
